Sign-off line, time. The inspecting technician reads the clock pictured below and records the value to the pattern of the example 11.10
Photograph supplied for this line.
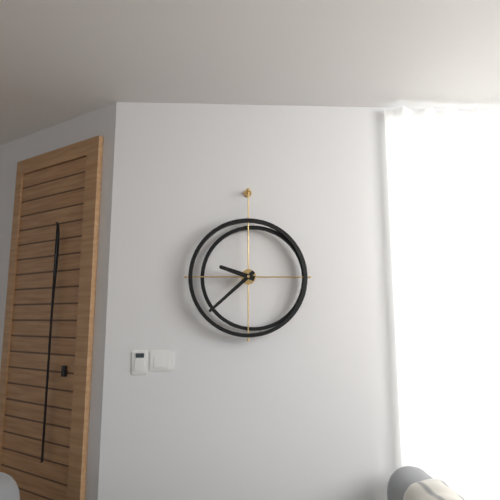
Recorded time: 9.38
